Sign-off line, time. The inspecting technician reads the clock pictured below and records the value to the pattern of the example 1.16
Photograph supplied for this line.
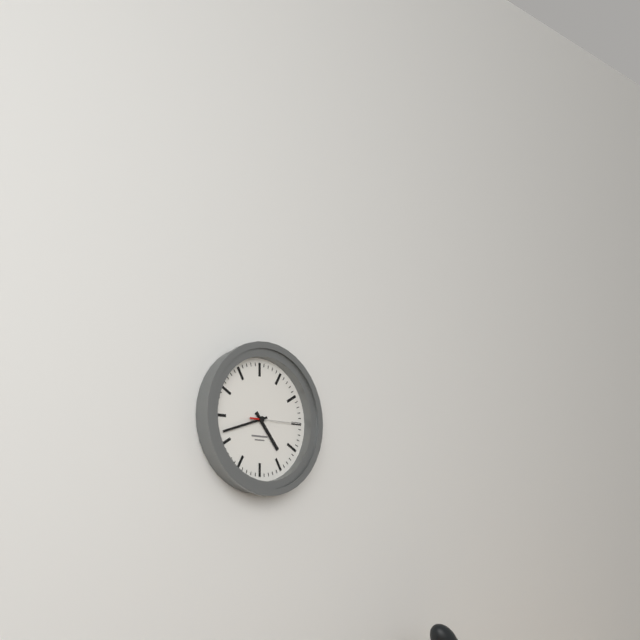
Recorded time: 4.42
